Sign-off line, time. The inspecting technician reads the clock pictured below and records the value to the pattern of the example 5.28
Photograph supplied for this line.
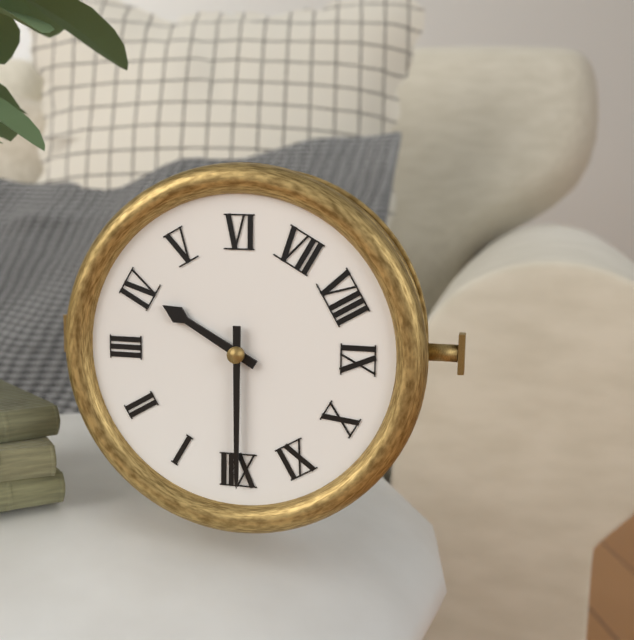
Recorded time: 4.00
